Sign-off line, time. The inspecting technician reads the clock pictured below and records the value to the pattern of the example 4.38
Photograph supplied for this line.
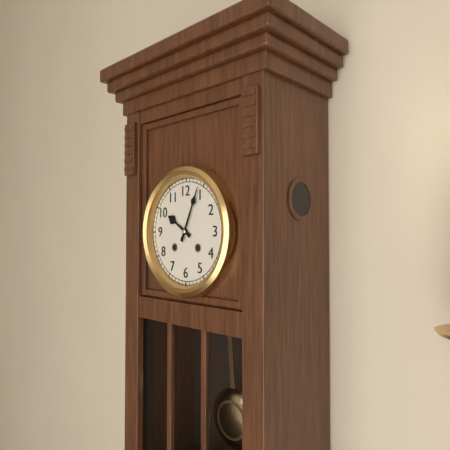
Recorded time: 10.04
